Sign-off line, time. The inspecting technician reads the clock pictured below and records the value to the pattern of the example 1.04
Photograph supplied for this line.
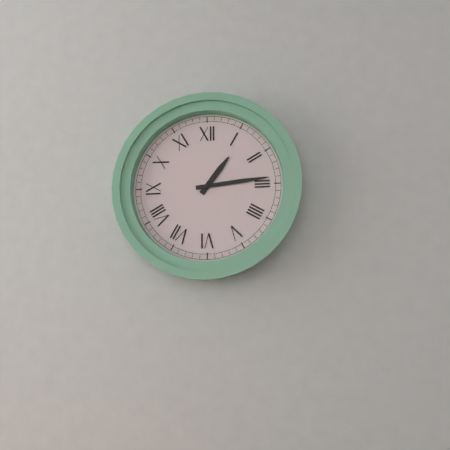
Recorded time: 1.14
